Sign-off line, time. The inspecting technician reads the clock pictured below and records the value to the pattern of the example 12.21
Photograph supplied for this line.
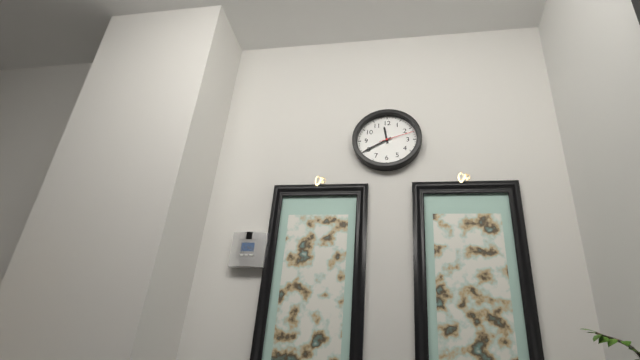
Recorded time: 11.40
